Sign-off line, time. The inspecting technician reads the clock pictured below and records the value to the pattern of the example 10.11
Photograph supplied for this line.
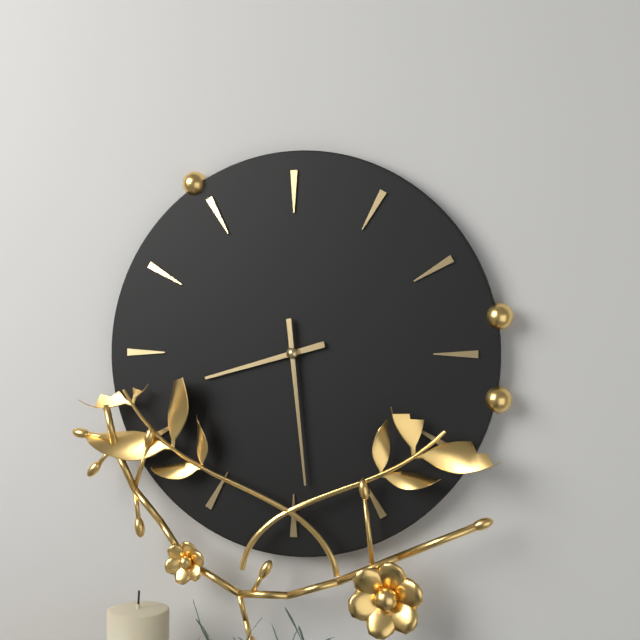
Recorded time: 8.29
